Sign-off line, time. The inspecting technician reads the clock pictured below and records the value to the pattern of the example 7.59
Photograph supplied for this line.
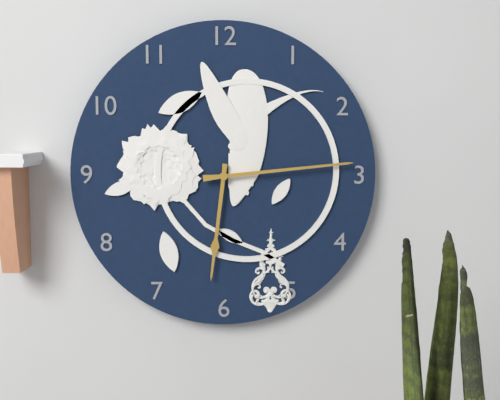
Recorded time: 6.14
